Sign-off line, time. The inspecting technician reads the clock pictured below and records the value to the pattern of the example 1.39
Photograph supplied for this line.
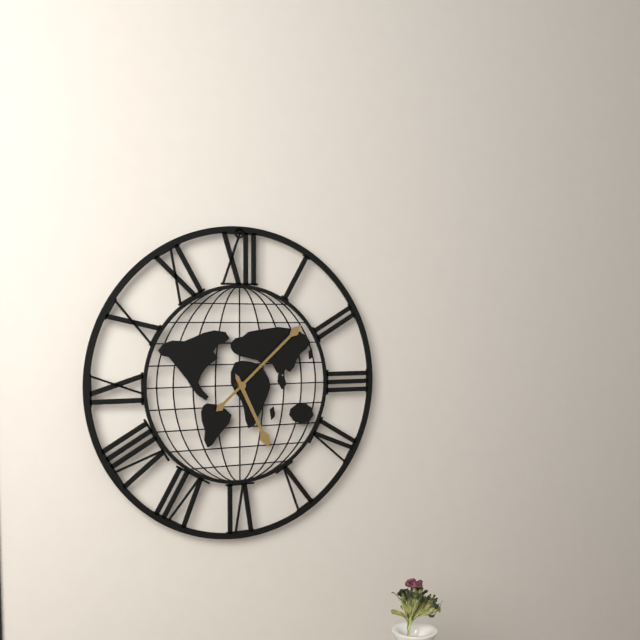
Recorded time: 5.08
